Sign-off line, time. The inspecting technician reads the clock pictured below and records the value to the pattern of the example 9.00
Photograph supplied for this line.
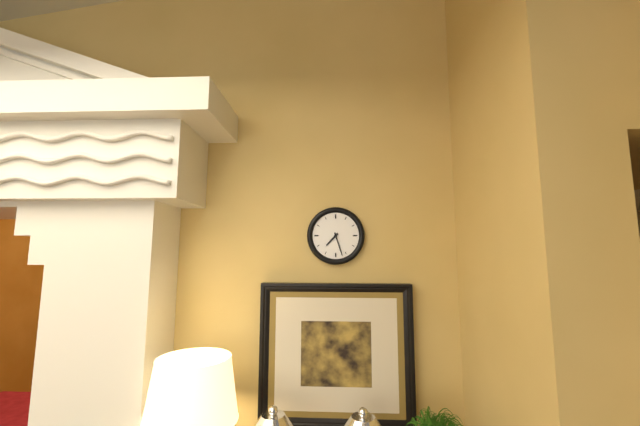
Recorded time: 7.27
